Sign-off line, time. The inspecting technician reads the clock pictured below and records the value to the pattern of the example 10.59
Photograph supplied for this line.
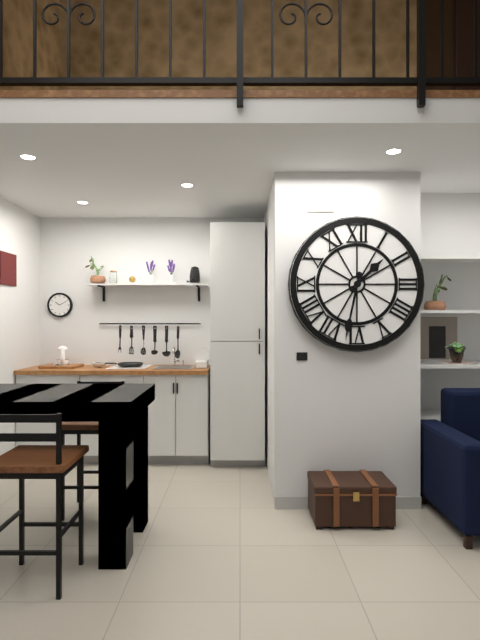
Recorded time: 1.32
